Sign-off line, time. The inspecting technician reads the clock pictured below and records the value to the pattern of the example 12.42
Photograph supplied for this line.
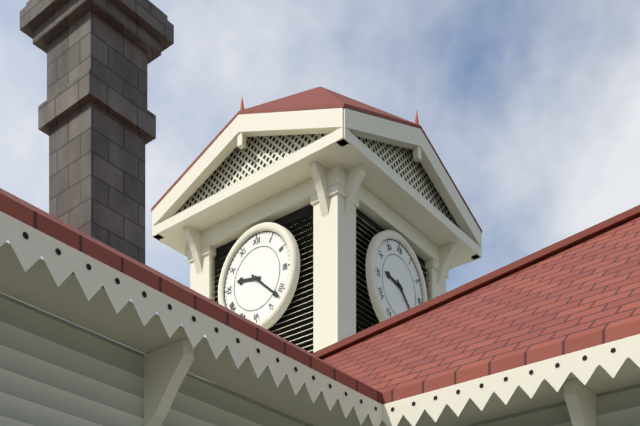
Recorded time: 9.22
